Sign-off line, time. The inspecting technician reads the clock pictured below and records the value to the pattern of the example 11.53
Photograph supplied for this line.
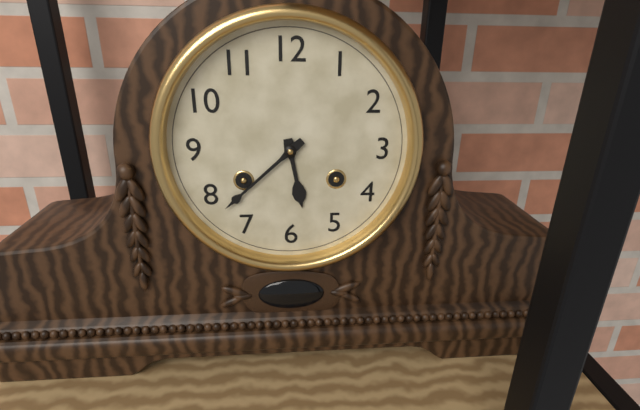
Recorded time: 5.38
